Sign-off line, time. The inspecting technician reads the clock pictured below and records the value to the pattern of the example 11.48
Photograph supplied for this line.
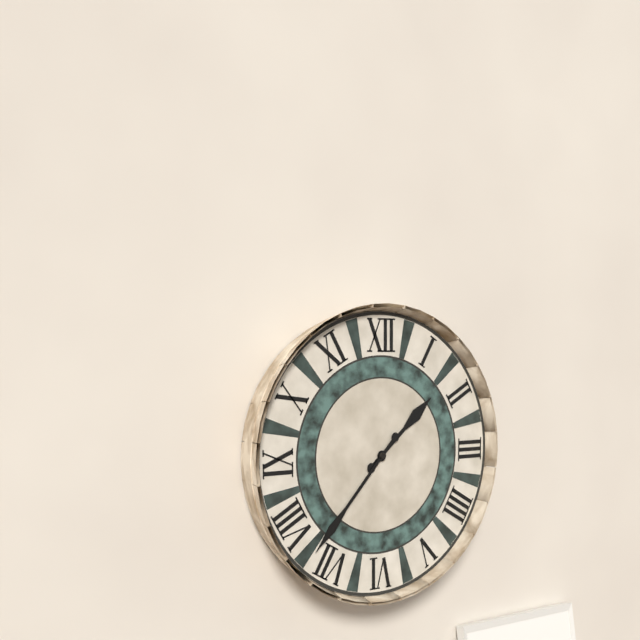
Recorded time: 1.37
